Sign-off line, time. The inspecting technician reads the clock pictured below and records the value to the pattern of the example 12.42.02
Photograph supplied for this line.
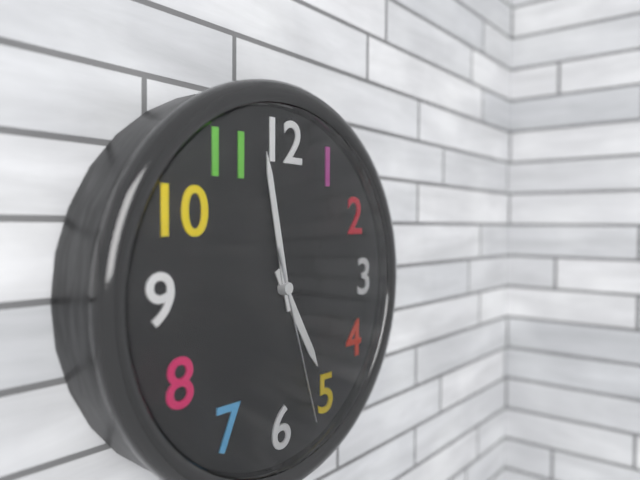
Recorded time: 4.58.27
